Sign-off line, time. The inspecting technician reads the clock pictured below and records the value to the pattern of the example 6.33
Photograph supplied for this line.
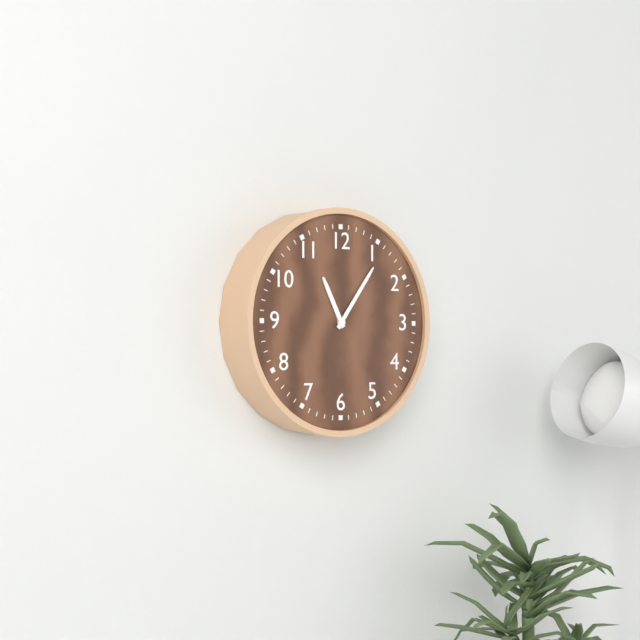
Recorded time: 11.06
